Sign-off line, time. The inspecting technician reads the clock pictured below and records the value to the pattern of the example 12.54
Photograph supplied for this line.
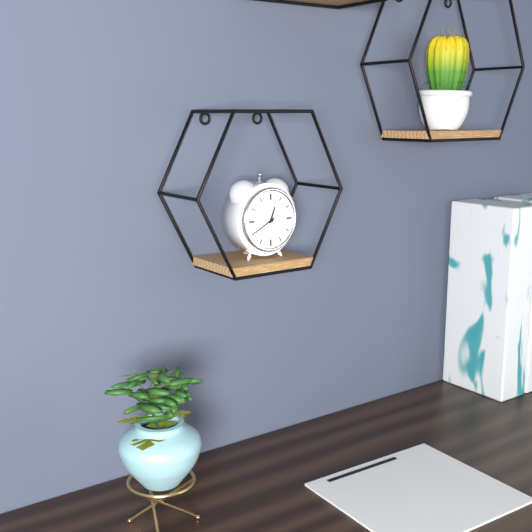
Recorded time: 12.40
